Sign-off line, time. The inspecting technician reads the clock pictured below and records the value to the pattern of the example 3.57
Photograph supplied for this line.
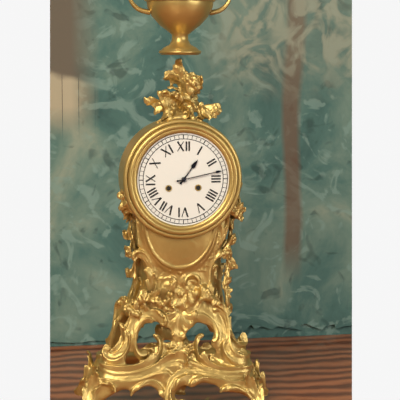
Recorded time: 1.13
